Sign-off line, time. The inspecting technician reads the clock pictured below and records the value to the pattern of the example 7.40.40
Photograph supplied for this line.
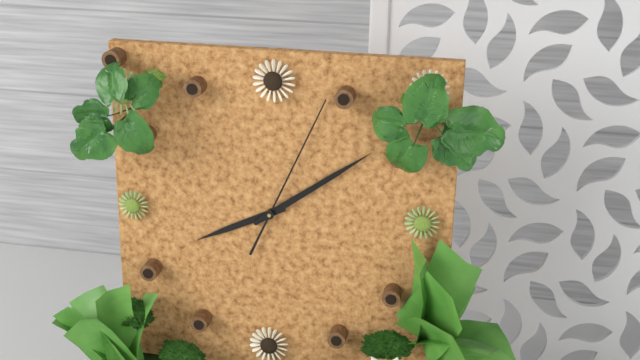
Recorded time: 8.09.04
